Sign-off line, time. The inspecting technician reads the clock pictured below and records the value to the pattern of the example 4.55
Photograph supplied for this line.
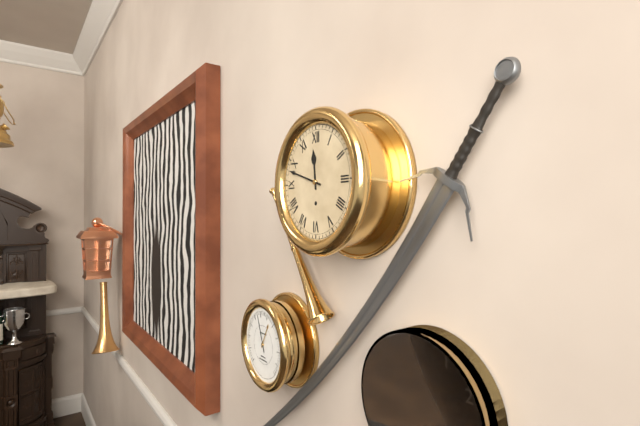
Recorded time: 11.48
